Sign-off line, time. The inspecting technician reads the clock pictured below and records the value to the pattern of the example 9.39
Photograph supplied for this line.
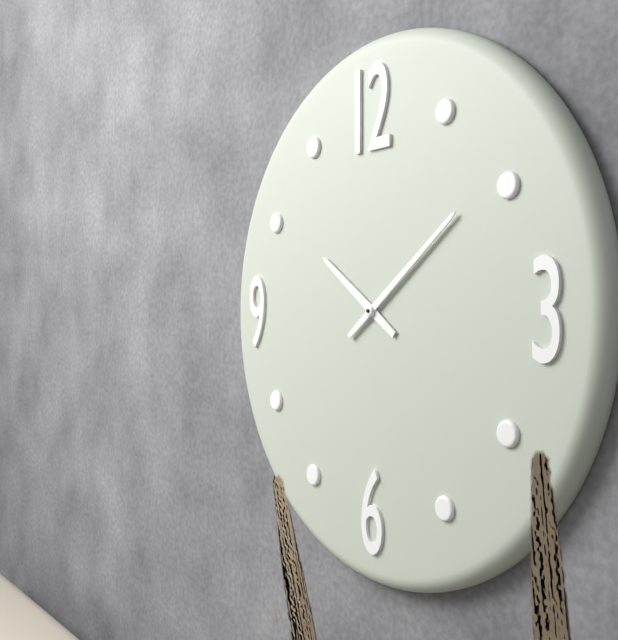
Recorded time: 10.09
